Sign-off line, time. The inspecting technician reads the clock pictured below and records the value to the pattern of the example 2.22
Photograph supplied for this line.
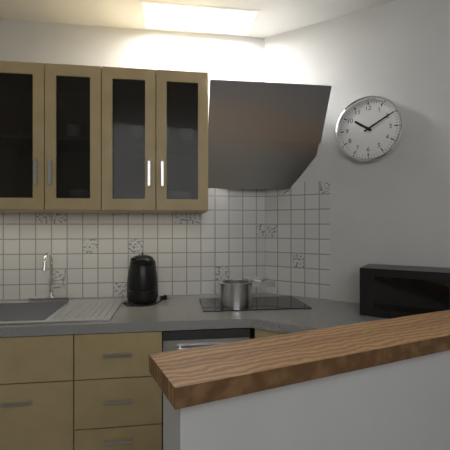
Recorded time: 10.10
